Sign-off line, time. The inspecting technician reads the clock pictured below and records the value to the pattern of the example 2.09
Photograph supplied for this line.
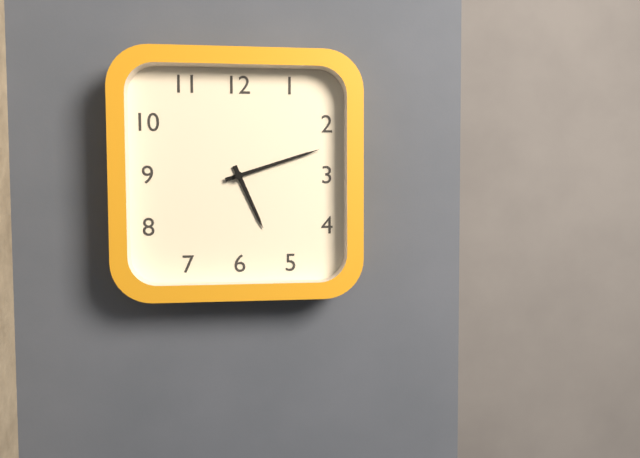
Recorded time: 5.12
